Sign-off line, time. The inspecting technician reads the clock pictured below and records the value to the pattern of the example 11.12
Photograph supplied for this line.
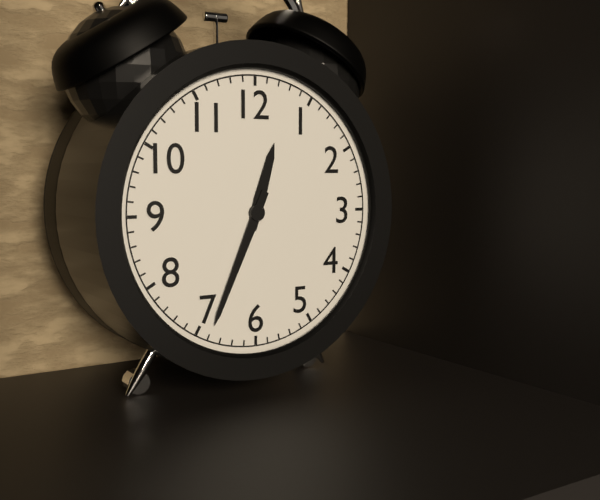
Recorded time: 12.34
